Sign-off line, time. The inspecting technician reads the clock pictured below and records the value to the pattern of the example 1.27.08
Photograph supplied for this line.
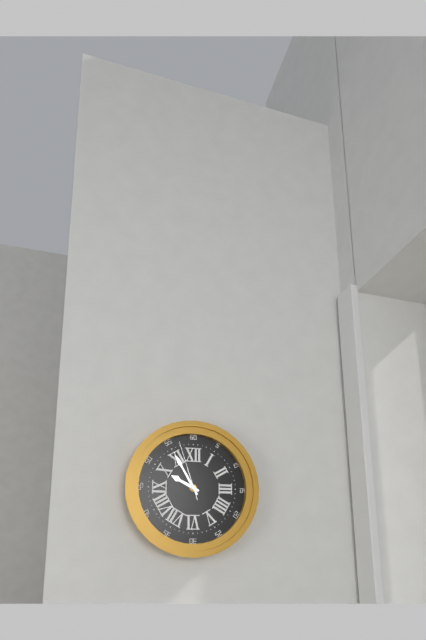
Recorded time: 9.55.57
